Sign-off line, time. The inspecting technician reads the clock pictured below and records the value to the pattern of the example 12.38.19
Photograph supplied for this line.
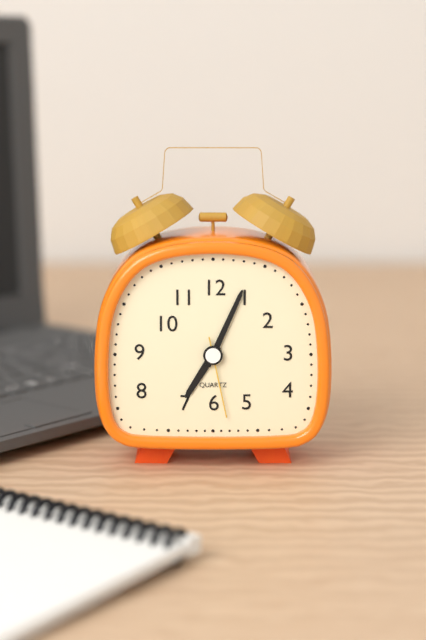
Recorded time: 7.04.28
